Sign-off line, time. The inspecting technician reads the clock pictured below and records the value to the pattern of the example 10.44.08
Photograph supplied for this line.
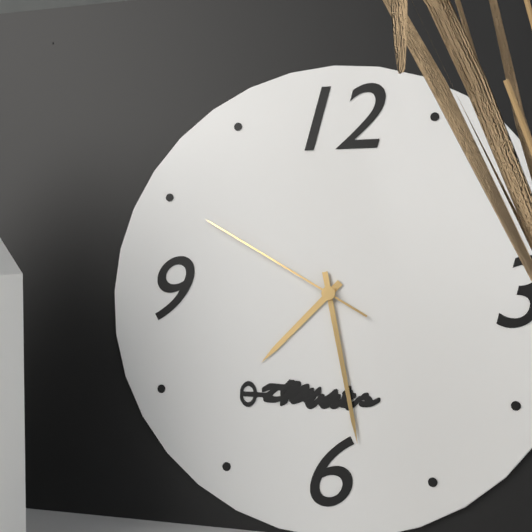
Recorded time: 7.28.50
